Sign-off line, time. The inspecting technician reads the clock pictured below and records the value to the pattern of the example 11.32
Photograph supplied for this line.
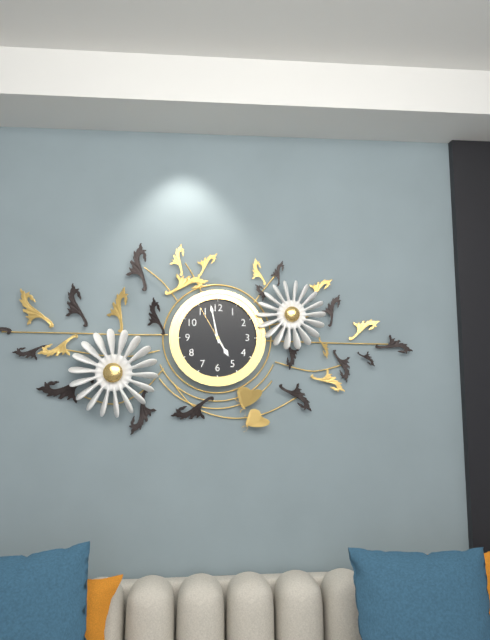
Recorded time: 4.58
